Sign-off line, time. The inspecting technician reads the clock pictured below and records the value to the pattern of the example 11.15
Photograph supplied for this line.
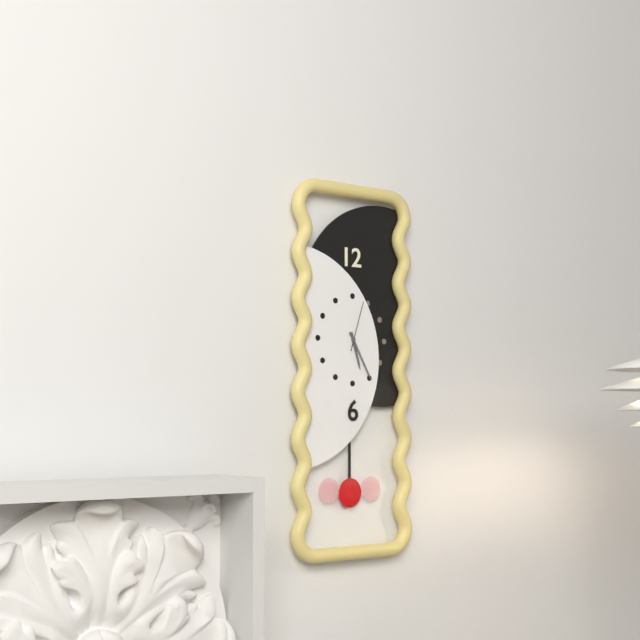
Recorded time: 5.25
